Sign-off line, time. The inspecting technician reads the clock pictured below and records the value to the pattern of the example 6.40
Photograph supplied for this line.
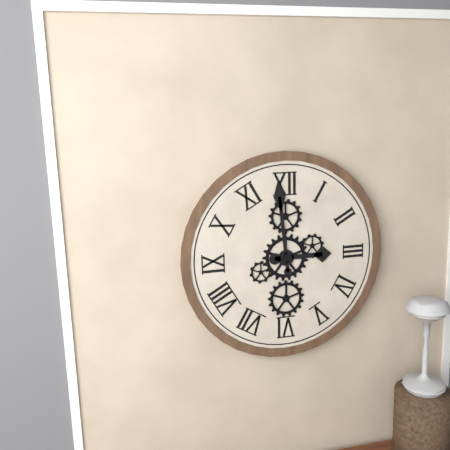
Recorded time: 2.59
